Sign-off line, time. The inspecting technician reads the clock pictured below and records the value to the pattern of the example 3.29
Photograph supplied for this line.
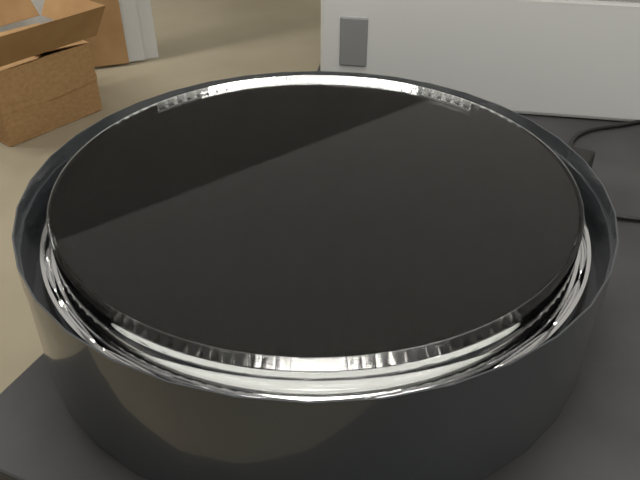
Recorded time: 2.25
